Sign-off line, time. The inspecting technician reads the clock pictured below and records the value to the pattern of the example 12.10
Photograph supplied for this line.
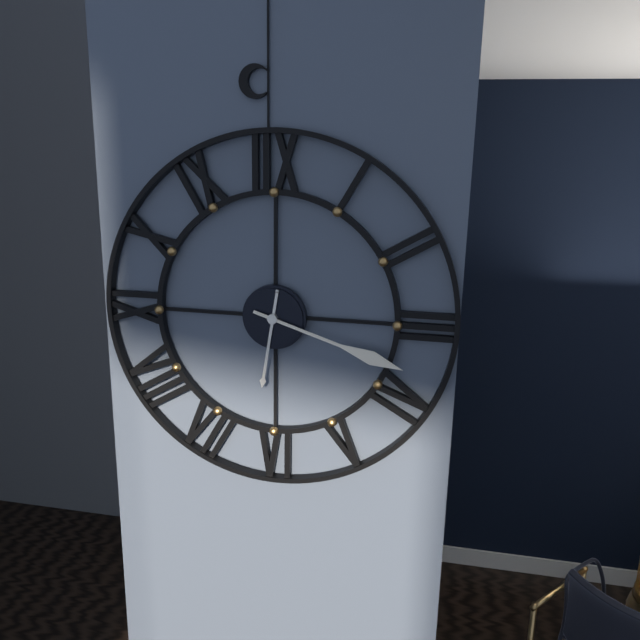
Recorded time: 6.18
